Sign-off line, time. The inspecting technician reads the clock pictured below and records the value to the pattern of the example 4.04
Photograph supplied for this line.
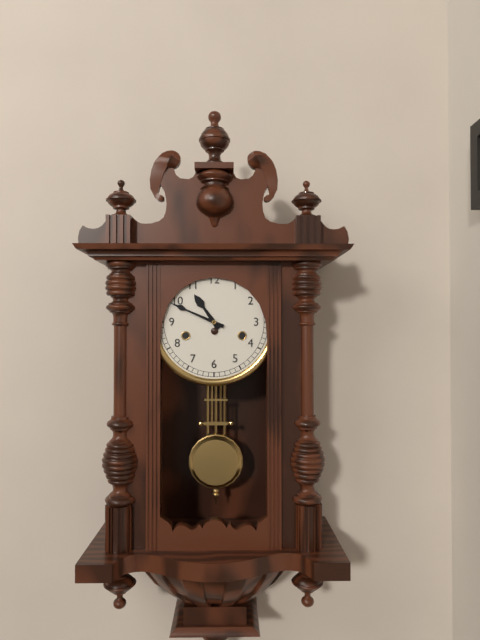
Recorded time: 10.49
